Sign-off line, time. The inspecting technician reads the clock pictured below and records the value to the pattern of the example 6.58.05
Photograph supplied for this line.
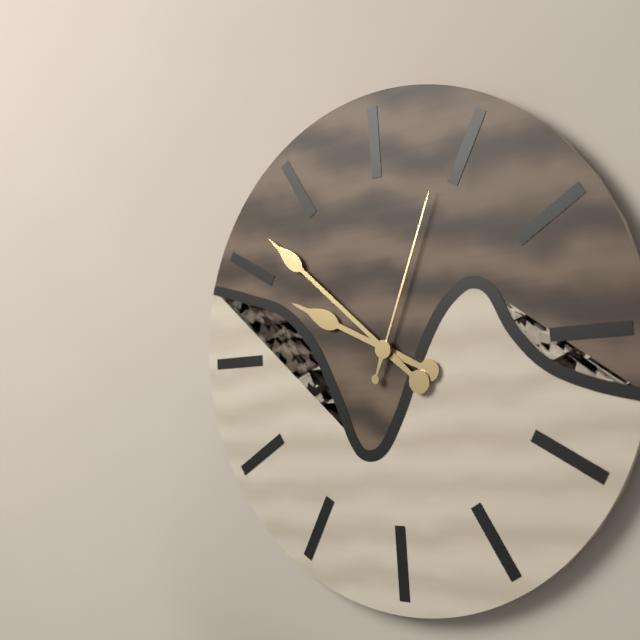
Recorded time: 9.52.04
